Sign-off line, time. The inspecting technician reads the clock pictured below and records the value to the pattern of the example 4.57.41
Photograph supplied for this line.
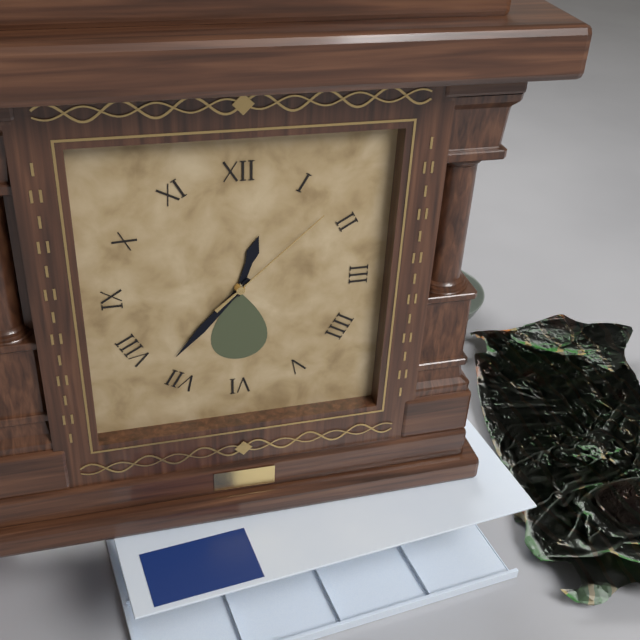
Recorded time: 12.37.08
